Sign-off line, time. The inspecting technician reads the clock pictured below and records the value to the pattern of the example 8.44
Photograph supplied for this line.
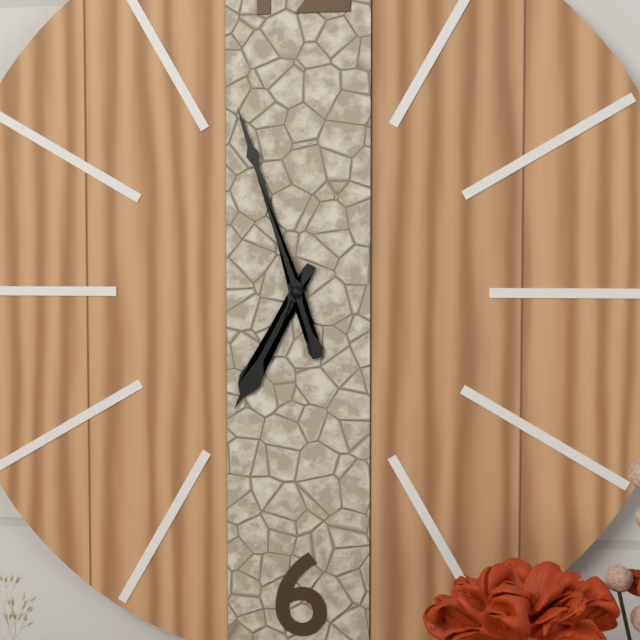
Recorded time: 6.57
